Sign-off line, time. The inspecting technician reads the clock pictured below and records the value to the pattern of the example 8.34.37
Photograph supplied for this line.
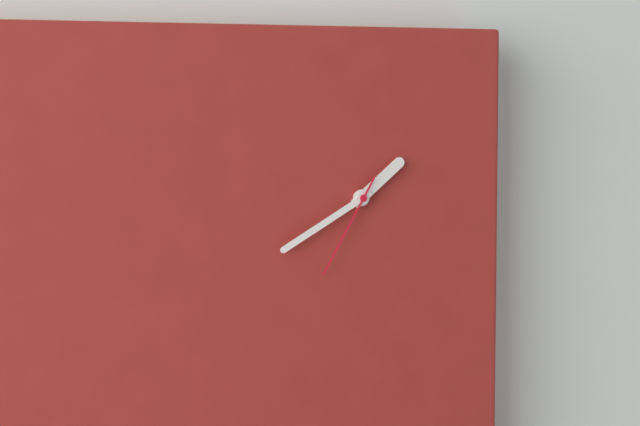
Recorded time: 1.40.35
